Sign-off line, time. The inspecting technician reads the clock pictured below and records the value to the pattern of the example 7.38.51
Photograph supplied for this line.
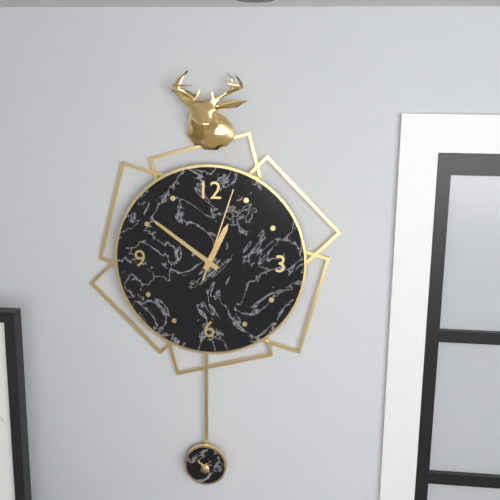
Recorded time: 12.51.03
